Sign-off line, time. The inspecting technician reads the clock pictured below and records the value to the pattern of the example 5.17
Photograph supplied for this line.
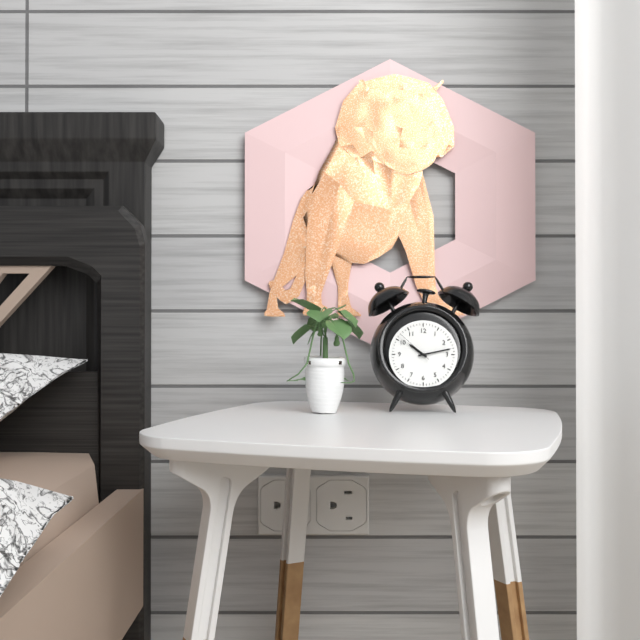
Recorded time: 10.13
